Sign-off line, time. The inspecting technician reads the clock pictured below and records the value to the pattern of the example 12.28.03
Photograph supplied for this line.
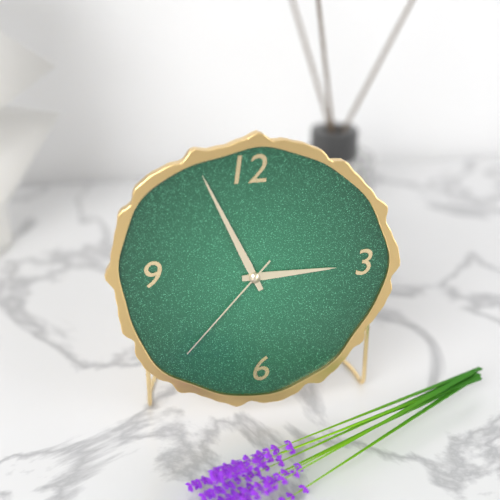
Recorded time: 2.56.37
